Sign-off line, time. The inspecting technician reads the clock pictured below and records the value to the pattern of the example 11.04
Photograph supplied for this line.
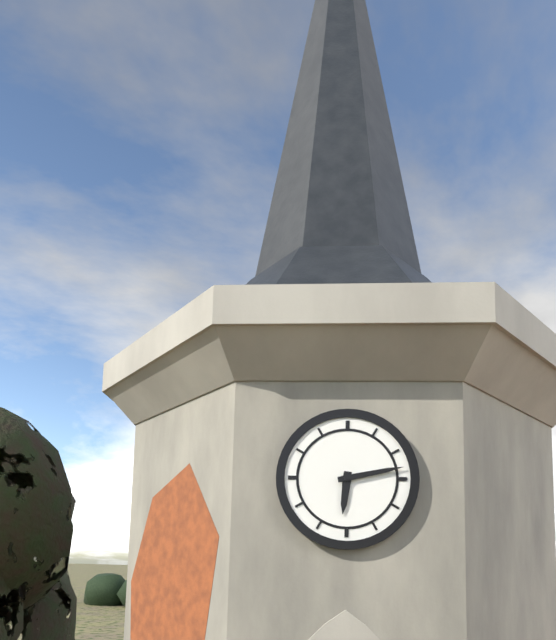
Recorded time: 6.13
